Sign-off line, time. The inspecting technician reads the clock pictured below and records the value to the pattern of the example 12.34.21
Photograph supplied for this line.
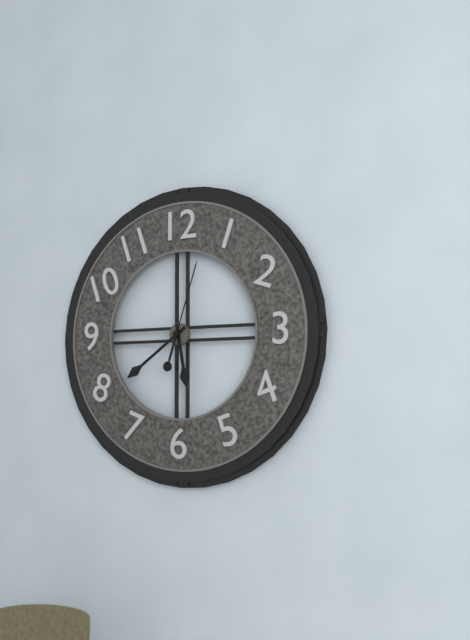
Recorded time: 5.39.03
